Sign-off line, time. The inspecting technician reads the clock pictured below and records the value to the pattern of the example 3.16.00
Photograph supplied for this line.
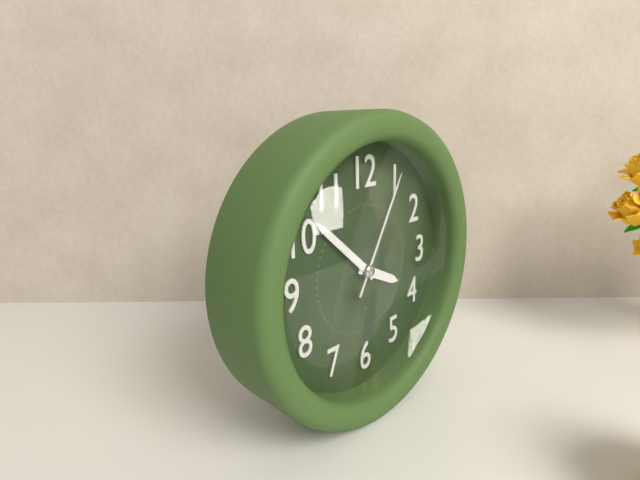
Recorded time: 3.52.05
